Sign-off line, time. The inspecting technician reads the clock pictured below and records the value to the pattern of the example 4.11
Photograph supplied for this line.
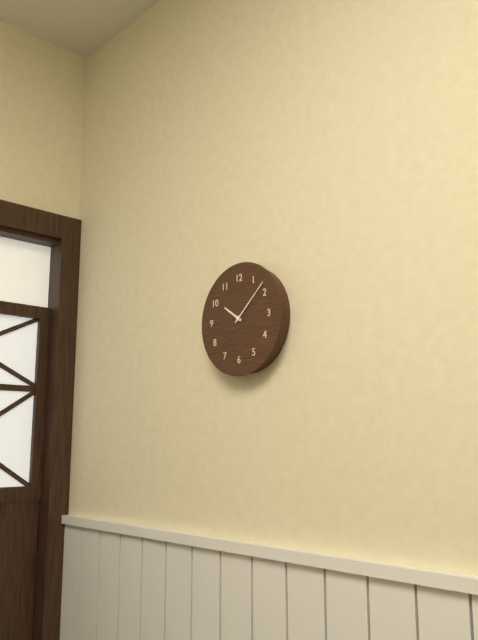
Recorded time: 10.08
